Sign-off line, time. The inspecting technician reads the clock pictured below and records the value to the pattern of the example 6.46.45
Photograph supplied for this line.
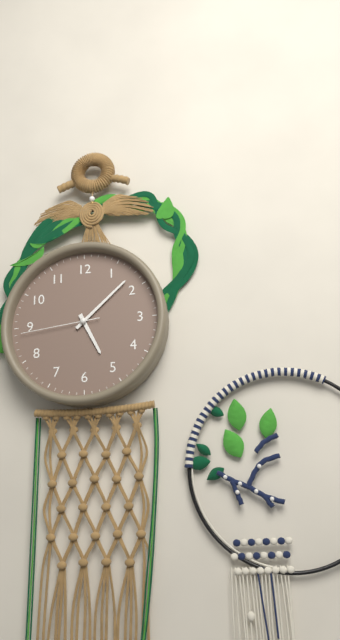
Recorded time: 5.08.44
